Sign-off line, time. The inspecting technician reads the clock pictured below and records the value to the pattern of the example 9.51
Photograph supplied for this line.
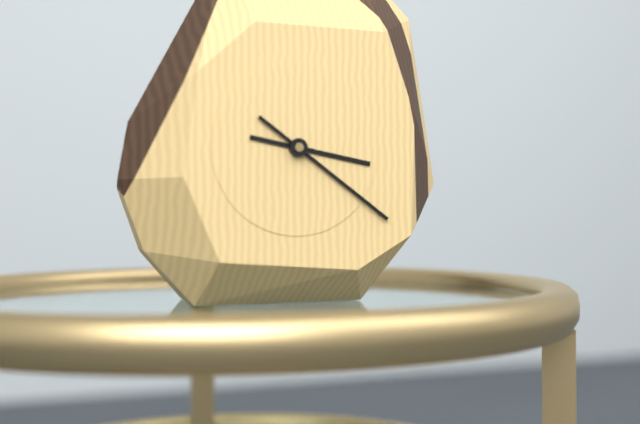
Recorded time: 3.21
